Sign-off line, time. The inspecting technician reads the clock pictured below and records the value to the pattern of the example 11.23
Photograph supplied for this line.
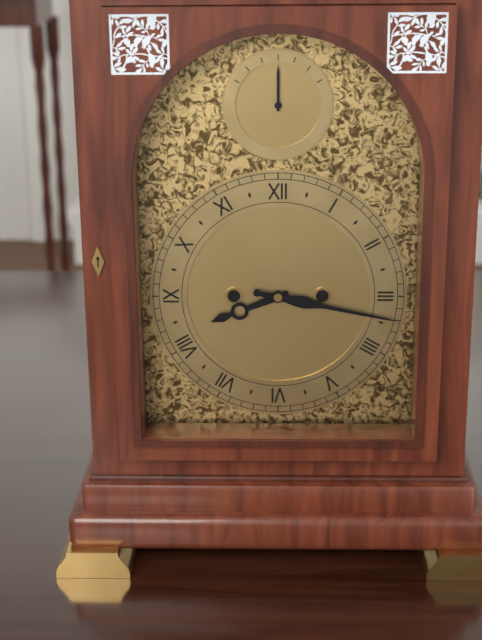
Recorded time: 8.17
